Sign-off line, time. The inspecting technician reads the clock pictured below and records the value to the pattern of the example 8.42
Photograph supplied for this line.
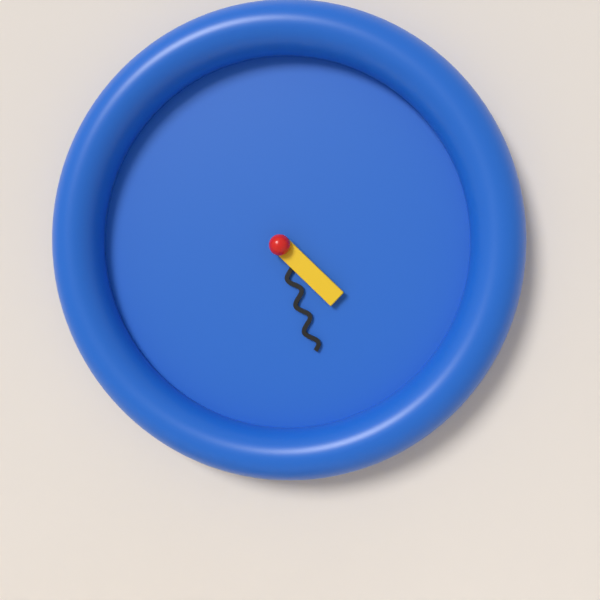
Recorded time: 4.27
